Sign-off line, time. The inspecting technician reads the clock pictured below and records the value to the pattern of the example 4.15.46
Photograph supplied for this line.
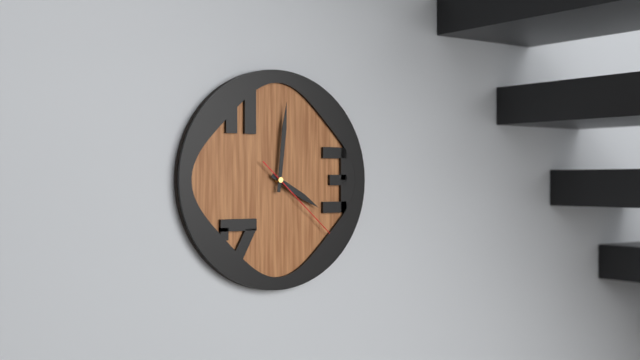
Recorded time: 4.01.22
